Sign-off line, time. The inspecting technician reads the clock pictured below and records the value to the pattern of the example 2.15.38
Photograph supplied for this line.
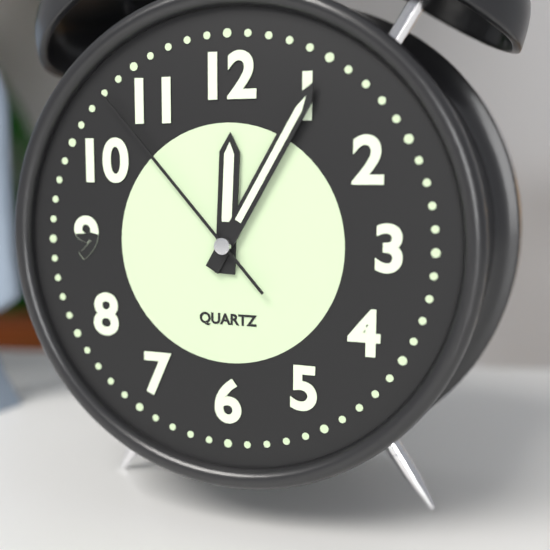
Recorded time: 12.05.53
